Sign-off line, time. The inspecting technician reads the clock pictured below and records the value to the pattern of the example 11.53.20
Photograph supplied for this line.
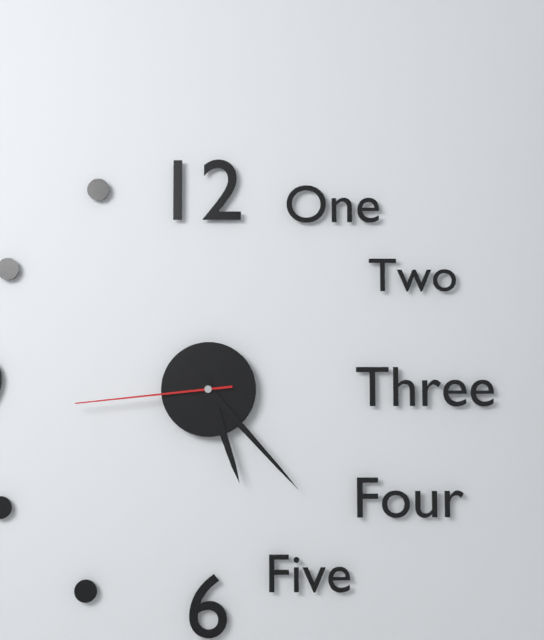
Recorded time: 5.23.44
